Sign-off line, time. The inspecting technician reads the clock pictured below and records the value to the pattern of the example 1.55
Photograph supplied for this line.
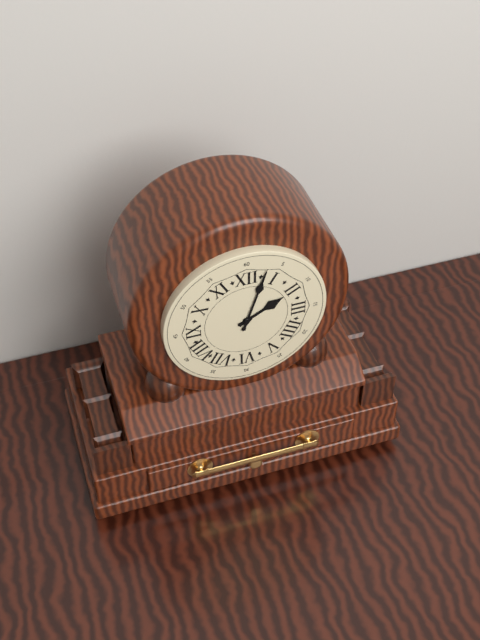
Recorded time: 2.03
